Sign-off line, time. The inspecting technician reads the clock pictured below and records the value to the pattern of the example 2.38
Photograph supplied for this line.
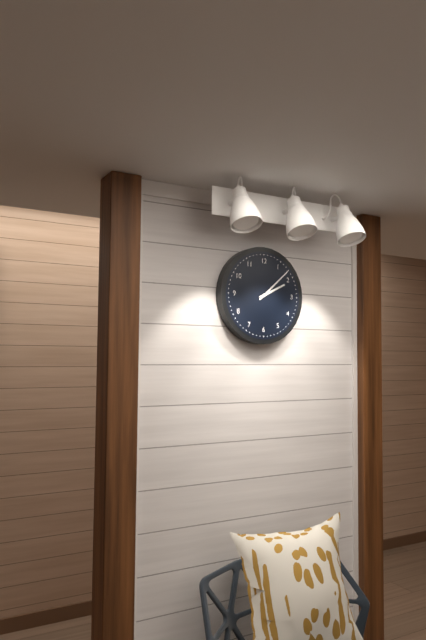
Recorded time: 2.08
